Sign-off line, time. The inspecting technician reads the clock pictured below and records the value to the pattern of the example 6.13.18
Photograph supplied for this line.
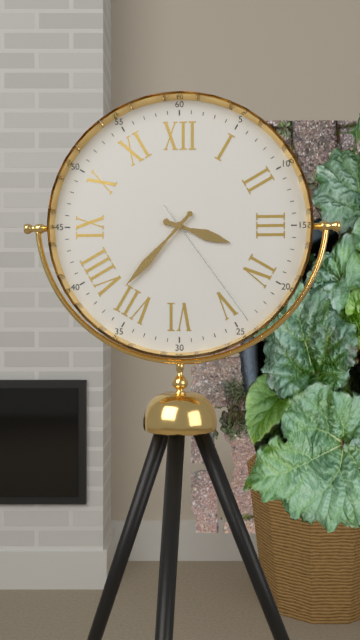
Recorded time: 3.37.24
